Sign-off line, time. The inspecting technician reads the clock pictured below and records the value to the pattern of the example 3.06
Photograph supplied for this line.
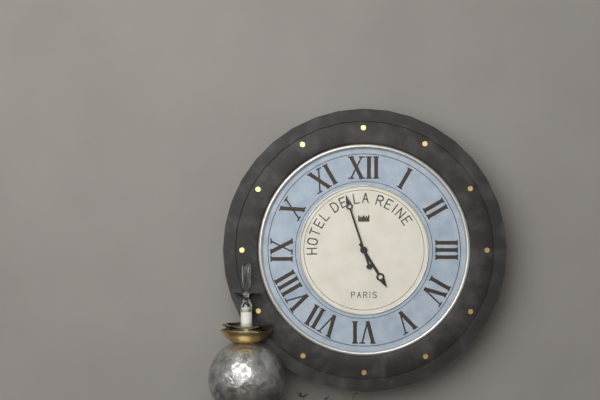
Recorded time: 4.57
